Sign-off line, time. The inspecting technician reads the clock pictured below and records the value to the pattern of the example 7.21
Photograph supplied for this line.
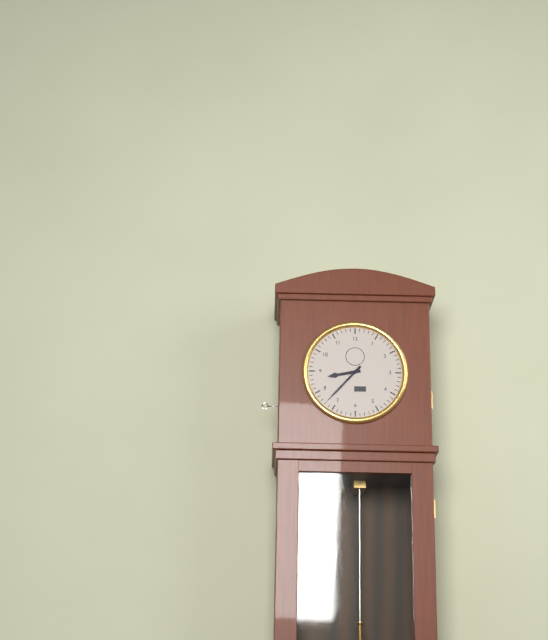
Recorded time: 8.37
